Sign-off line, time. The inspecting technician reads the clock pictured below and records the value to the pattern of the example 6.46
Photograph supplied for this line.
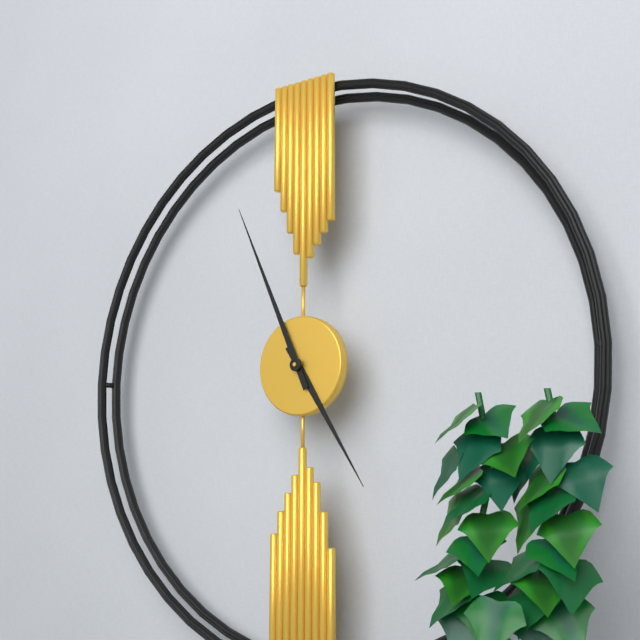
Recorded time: 4.56
